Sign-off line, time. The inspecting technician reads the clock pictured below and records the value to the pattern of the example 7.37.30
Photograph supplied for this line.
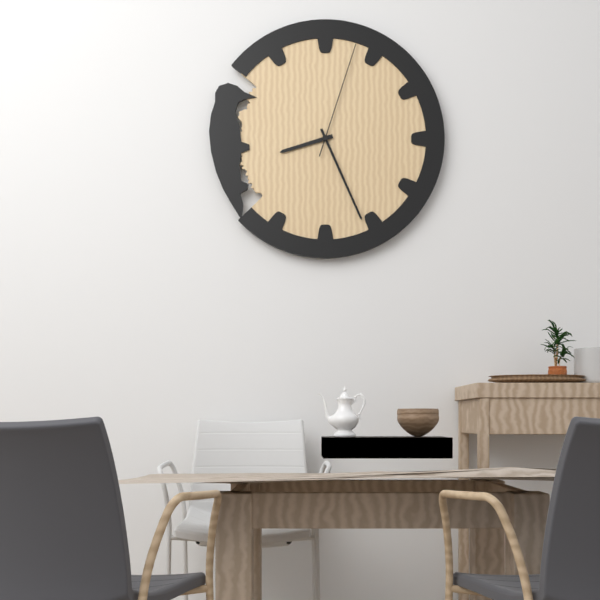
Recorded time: 8.26.03
